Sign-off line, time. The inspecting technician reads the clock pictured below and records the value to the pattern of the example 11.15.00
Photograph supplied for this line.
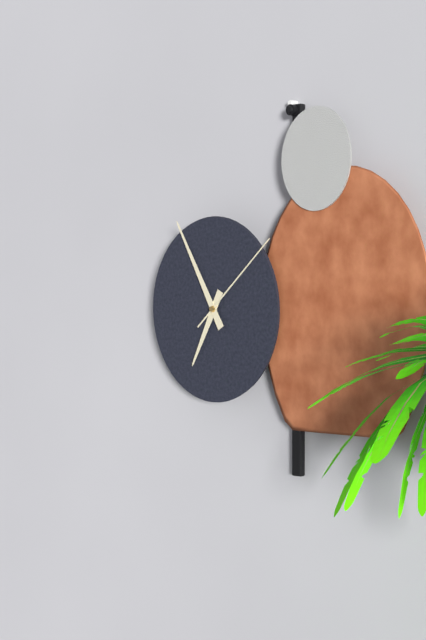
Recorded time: 6.55.08
